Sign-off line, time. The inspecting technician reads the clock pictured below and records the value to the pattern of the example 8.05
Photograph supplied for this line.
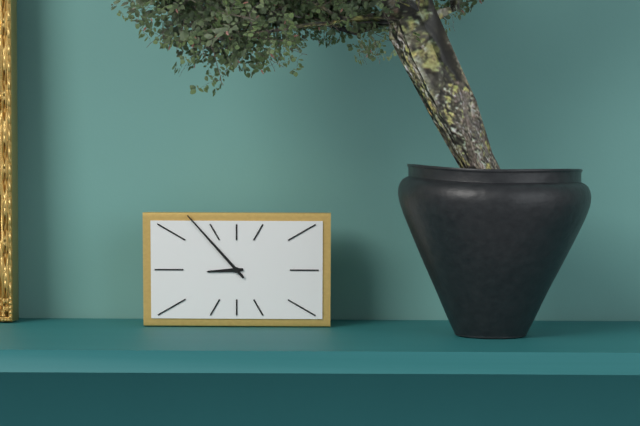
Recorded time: 8.53
